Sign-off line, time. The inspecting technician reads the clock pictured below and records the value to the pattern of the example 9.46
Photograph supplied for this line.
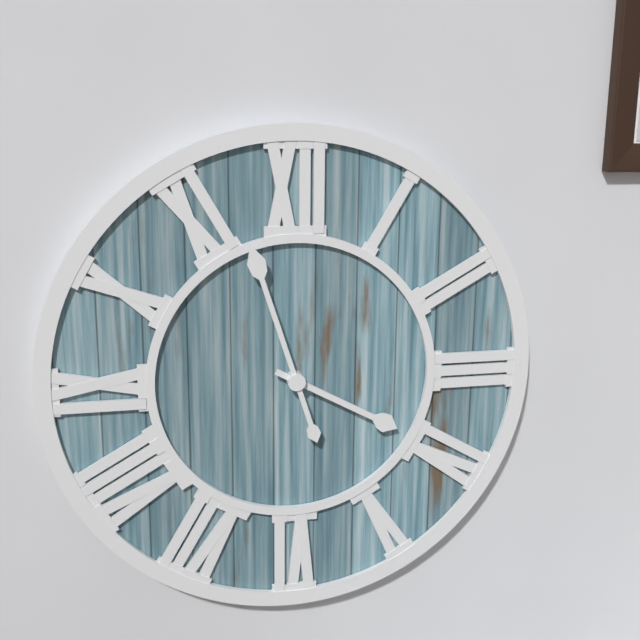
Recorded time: 3.57
